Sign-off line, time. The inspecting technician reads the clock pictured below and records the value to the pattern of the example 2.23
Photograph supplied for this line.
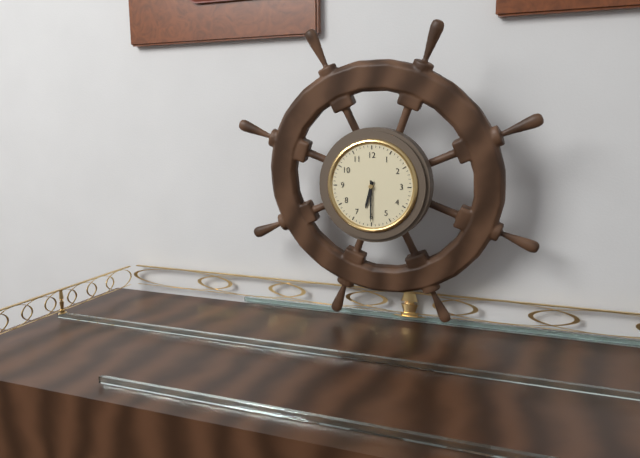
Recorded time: 6.30
